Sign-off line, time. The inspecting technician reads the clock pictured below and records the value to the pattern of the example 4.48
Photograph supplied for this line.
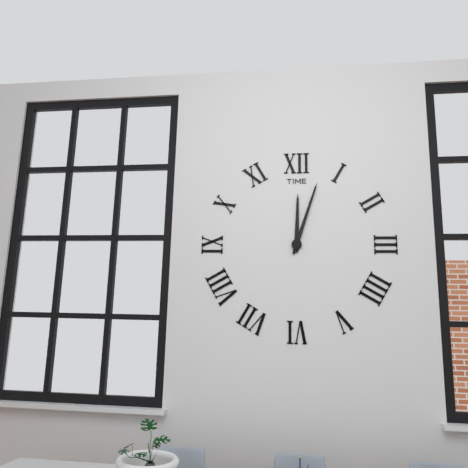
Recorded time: 12.03
